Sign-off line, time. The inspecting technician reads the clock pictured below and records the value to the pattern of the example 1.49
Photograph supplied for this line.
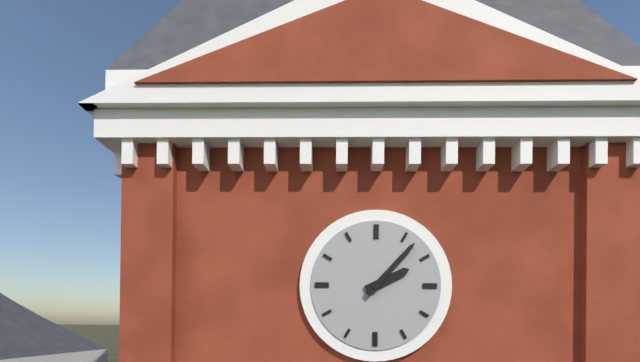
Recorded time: 2.07
